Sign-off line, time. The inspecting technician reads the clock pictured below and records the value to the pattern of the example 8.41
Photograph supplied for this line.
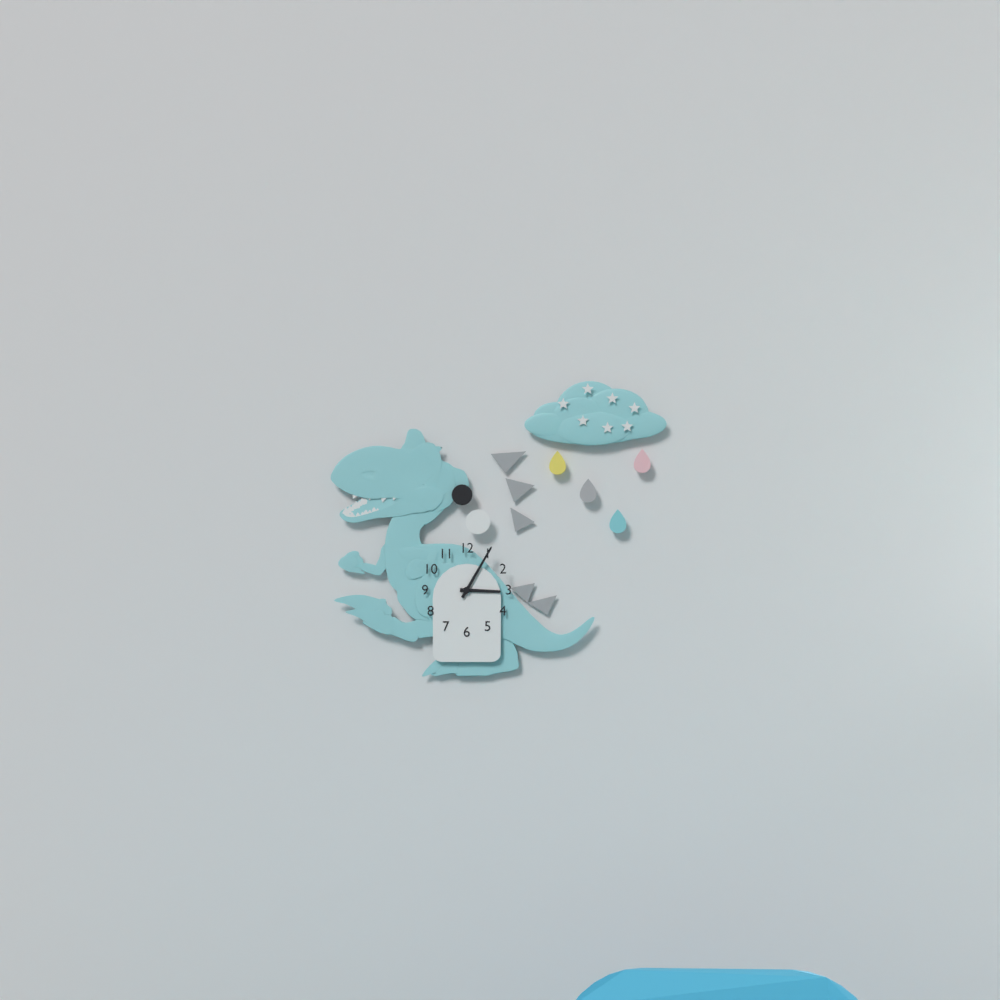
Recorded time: 3.05
